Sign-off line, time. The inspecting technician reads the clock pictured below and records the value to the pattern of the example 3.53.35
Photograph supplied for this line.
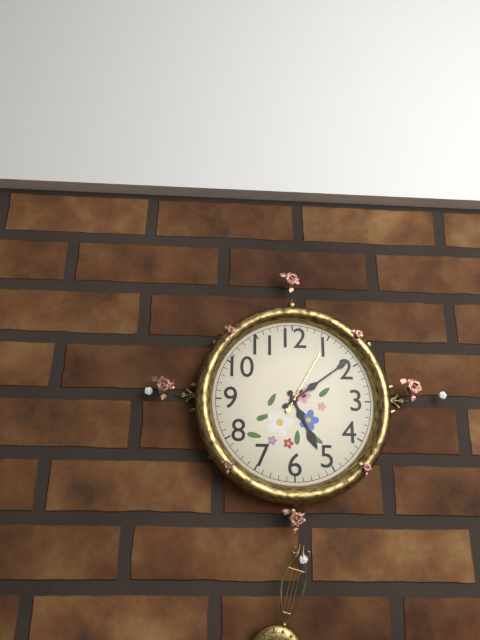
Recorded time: 5.09.05
